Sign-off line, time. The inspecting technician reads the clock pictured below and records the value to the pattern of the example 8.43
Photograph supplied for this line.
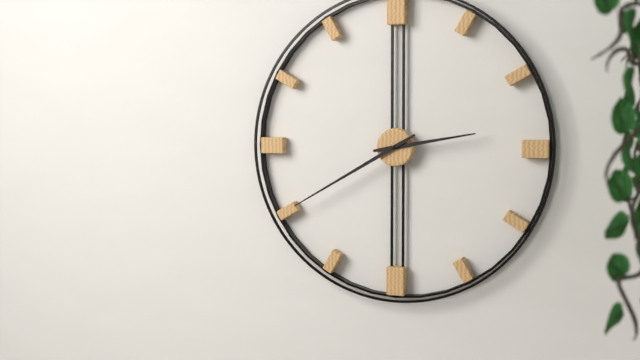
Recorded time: 2.40
